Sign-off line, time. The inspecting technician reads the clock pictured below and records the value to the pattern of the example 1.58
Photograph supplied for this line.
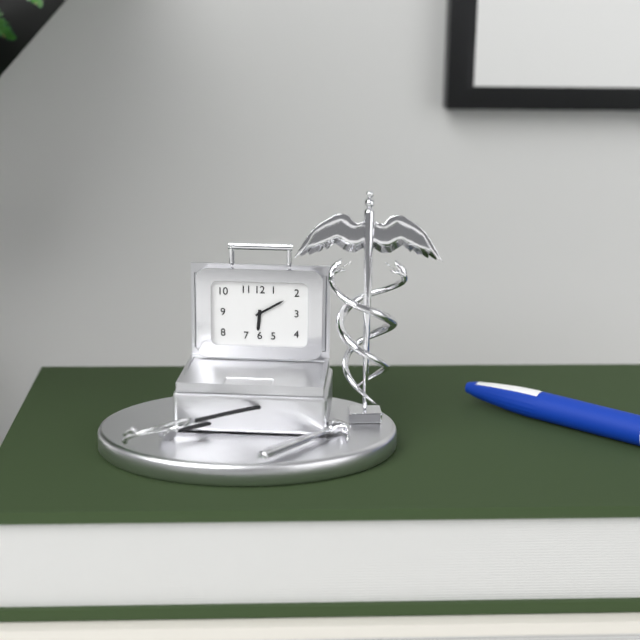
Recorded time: 6.10
